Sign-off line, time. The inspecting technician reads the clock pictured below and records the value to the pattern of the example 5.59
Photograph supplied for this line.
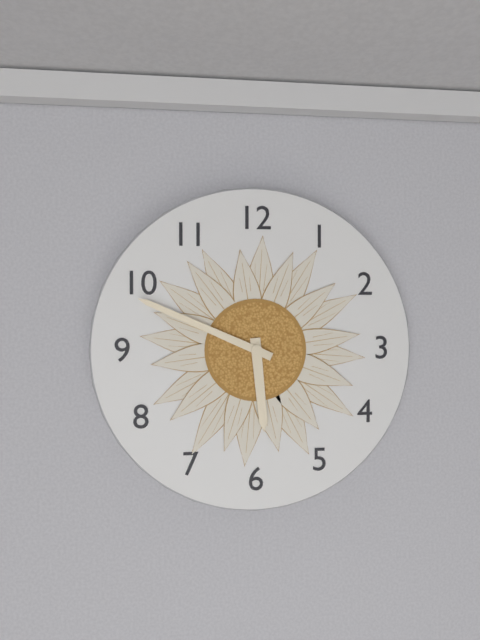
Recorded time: 5.49
